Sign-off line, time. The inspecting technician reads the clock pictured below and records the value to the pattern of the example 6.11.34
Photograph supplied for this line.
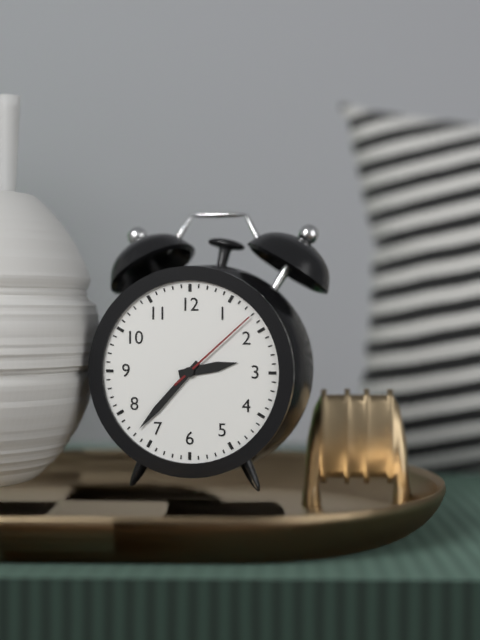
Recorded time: 2.37.08
